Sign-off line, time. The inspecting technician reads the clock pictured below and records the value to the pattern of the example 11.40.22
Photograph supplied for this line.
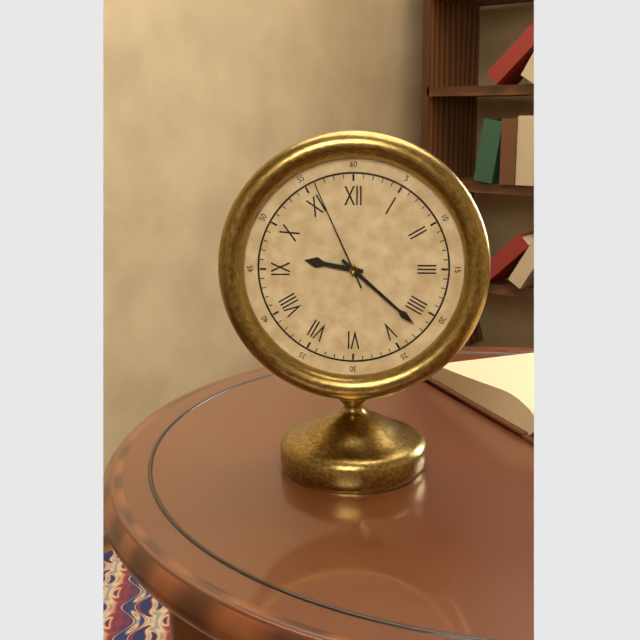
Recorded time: 9.22.56
